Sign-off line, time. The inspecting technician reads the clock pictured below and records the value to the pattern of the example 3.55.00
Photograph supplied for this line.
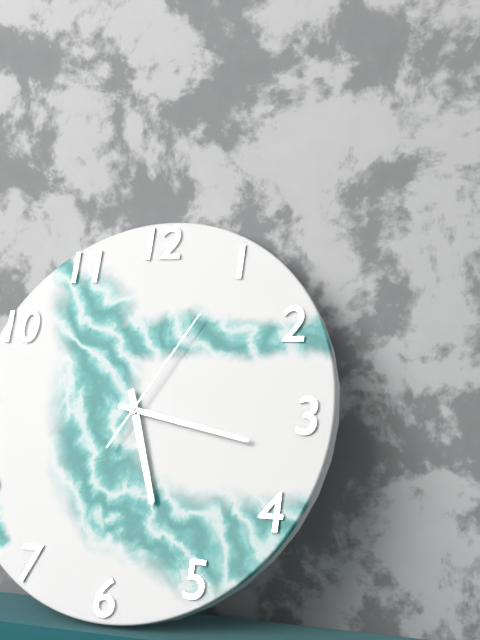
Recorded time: 5.17.05
